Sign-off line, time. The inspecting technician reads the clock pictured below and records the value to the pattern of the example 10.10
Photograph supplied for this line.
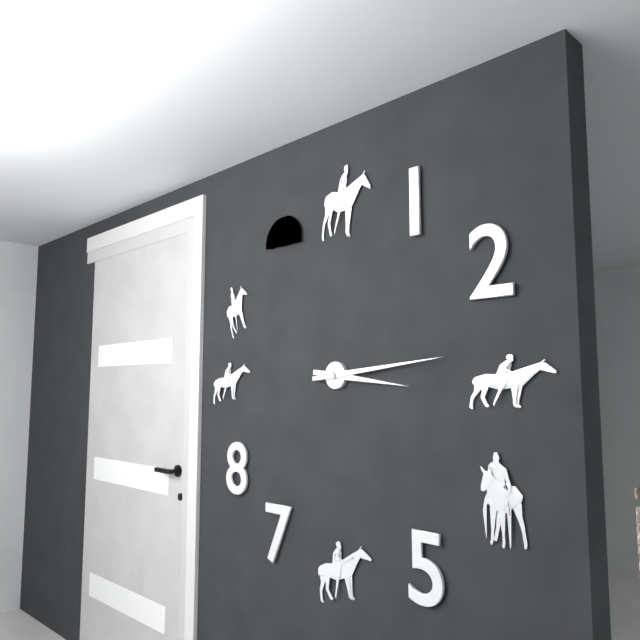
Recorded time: 3.14
